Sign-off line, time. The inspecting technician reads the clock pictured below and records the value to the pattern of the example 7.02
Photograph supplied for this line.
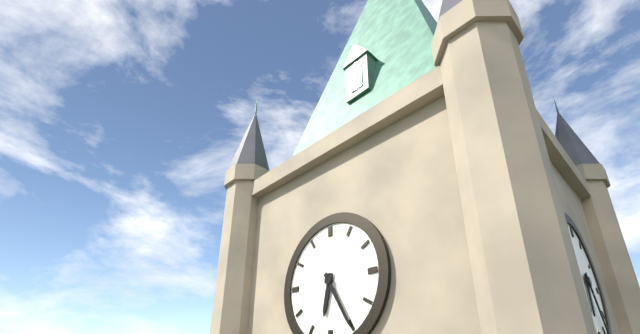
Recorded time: 6.25
